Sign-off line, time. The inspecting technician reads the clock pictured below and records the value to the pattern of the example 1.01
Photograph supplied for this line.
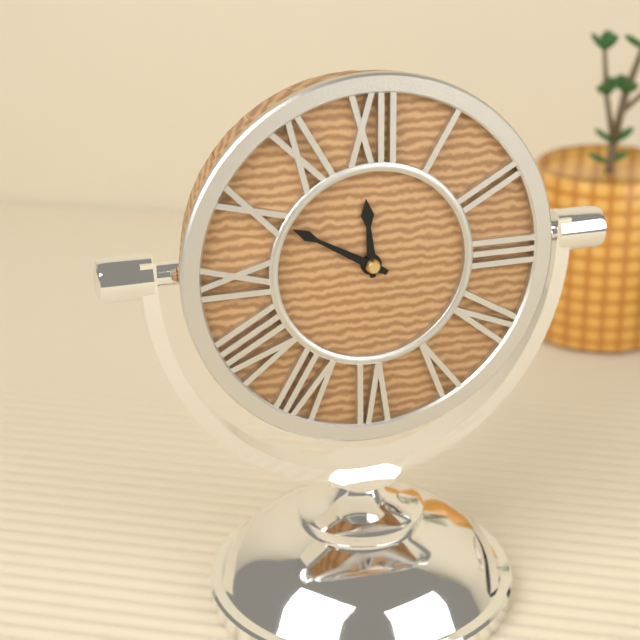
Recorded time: 11.50
